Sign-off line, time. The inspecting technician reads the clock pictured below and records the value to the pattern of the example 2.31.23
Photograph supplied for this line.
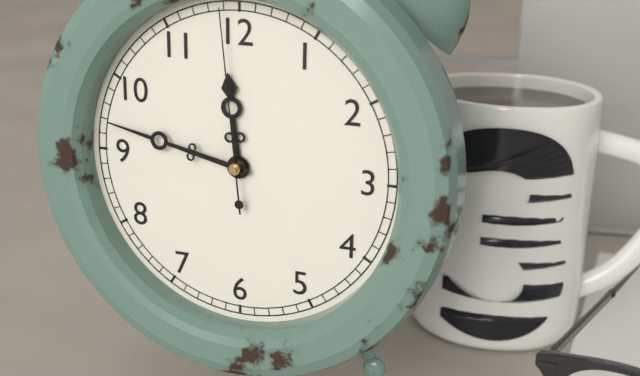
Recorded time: 11.47.59
